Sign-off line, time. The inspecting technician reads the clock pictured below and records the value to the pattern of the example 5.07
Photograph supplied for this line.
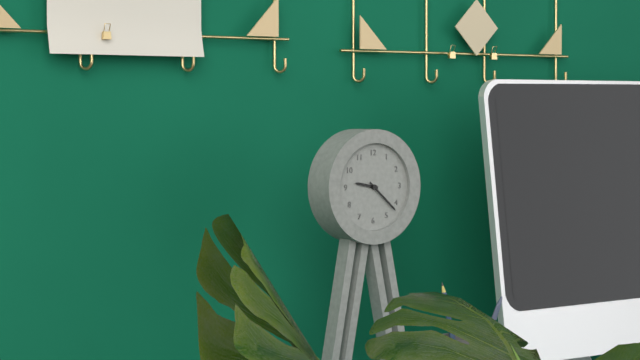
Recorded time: 9.22
